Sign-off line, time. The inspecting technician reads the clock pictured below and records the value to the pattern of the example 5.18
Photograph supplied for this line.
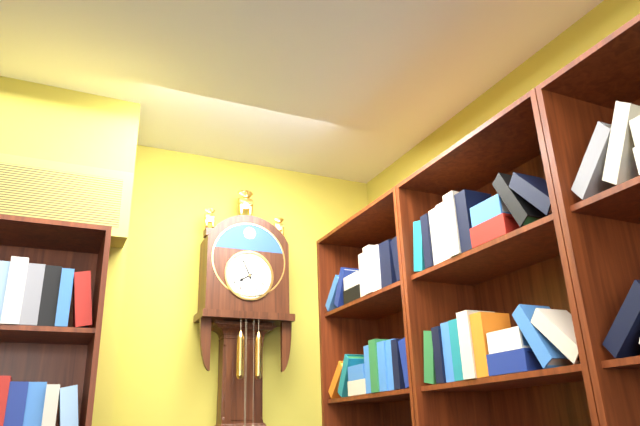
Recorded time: 7.56
